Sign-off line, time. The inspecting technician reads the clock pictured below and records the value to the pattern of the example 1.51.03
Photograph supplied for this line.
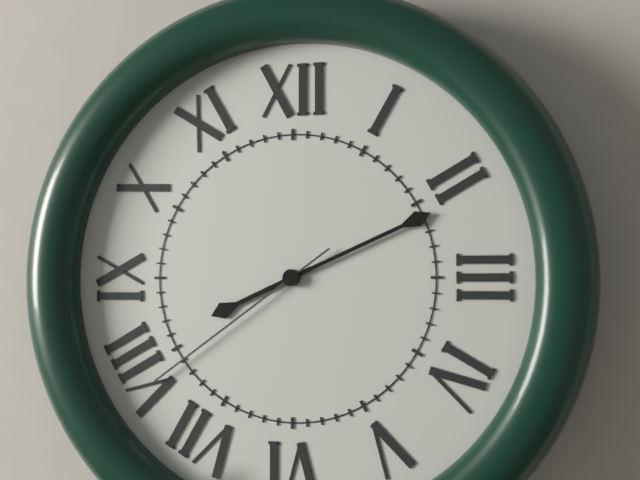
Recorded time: 8.11.39
